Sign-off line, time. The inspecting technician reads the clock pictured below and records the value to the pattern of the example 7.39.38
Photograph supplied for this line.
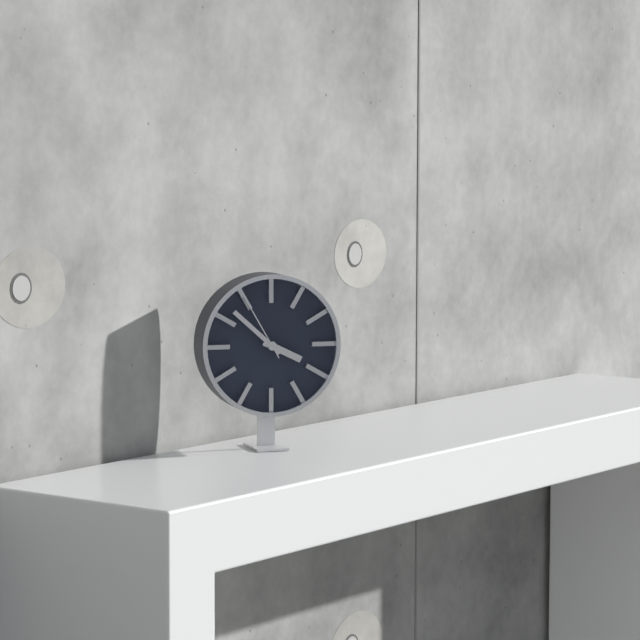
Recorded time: 3.52.55
